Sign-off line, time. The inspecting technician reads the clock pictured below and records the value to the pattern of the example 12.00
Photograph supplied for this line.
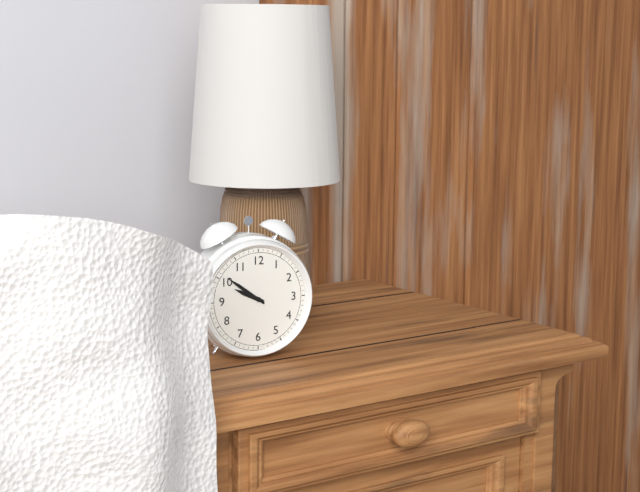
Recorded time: 9.51
